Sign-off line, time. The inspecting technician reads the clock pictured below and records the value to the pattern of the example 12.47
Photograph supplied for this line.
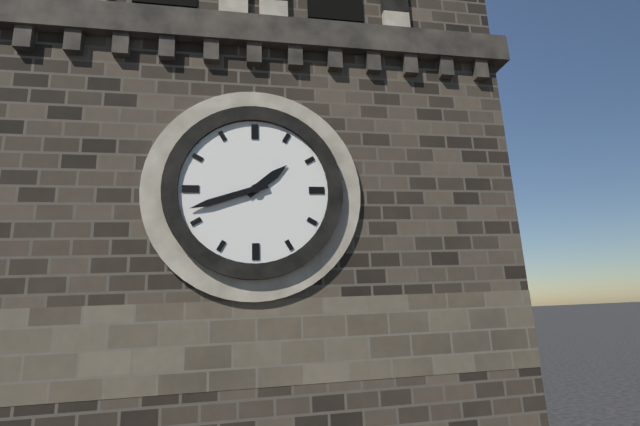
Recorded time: 1.42
